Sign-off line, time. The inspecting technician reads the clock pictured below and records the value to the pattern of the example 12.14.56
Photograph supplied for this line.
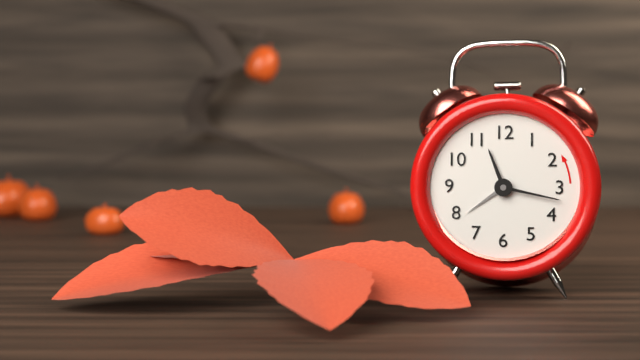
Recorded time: 11.17.39
